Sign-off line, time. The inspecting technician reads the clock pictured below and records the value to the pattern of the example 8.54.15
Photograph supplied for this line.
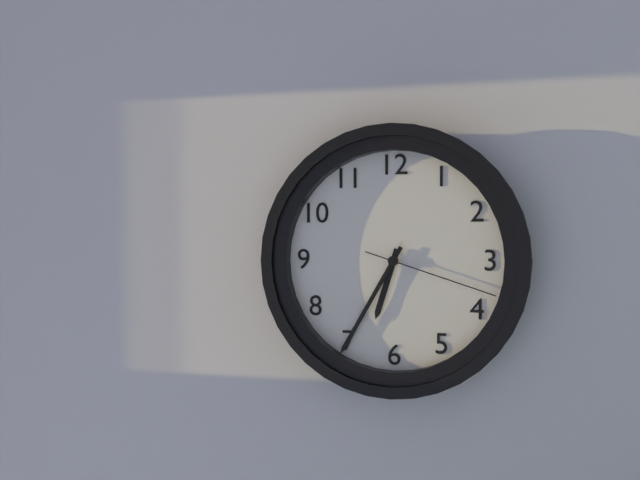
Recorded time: 6.35.18
